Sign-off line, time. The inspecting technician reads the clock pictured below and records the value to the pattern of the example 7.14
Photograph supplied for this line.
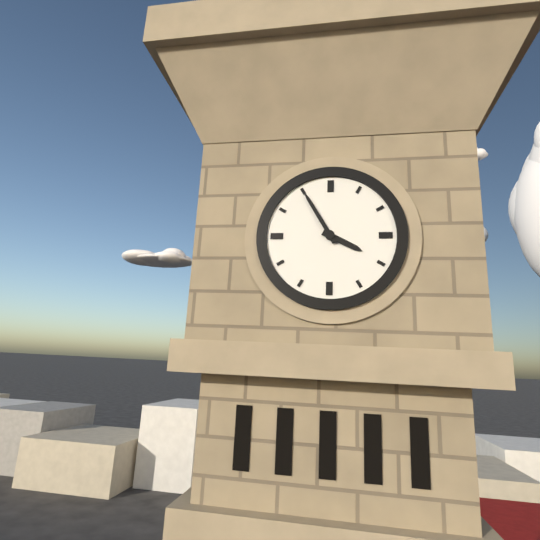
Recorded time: 3.55
